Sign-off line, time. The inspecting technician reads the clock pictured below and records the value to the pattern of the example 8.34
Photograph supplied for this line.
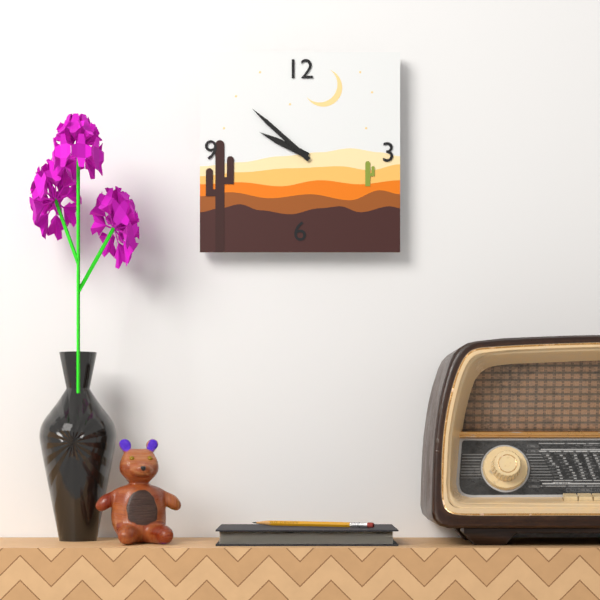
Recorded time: 9.52
